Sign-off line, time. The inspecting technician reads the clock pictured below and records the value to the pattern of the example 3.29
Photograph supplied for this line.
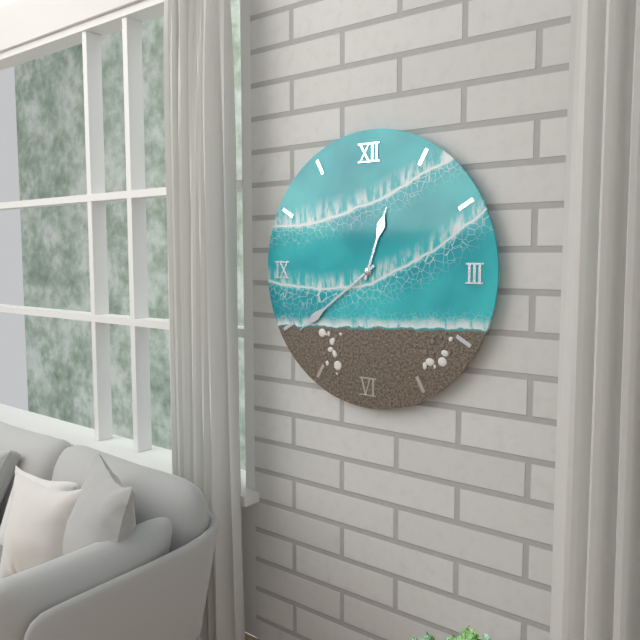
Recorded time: 12.39
